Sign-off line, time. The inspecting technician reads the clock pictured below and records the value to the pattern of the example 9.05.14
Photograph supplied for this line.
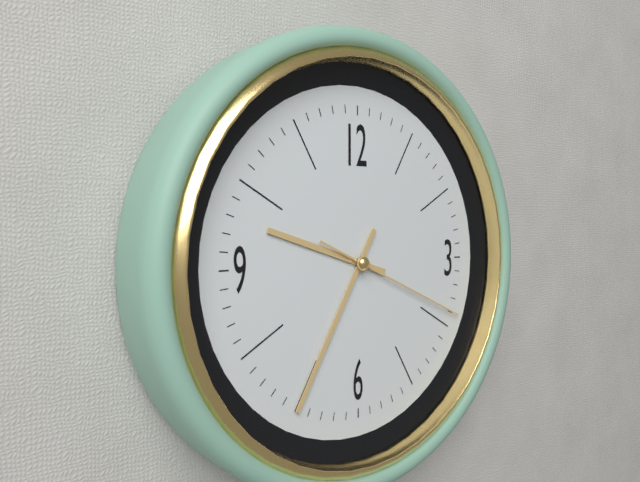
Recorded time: 9.35.19
